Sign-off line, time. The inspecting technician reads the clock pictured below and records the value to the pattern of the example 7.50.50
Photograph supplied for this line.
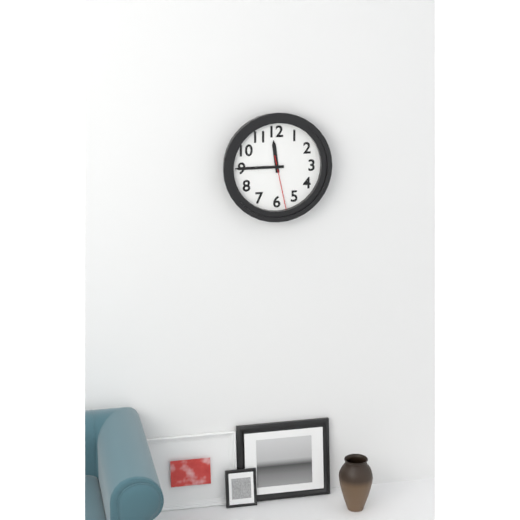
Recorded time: 11.45.28
